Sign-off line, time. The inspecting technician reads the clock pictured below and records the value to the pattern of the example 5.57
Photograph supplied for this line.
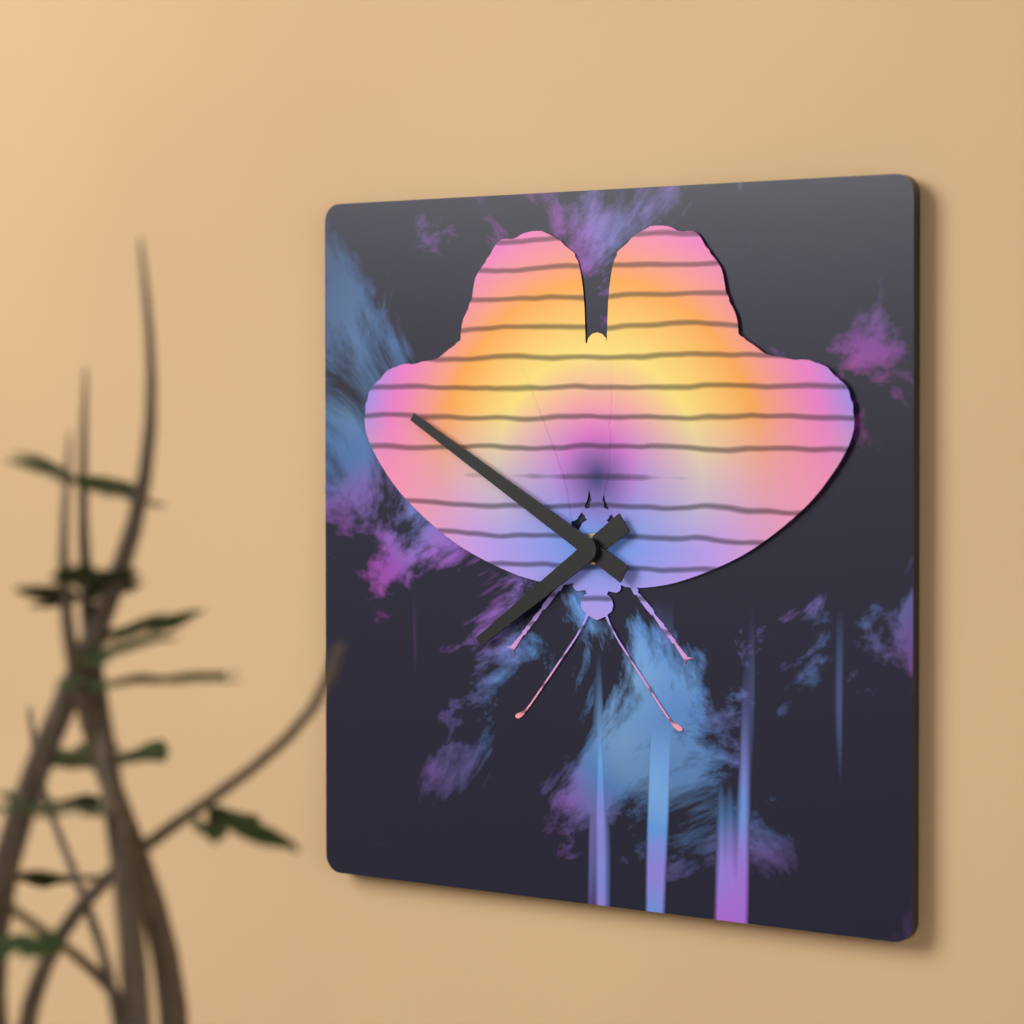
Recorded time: 7.50
